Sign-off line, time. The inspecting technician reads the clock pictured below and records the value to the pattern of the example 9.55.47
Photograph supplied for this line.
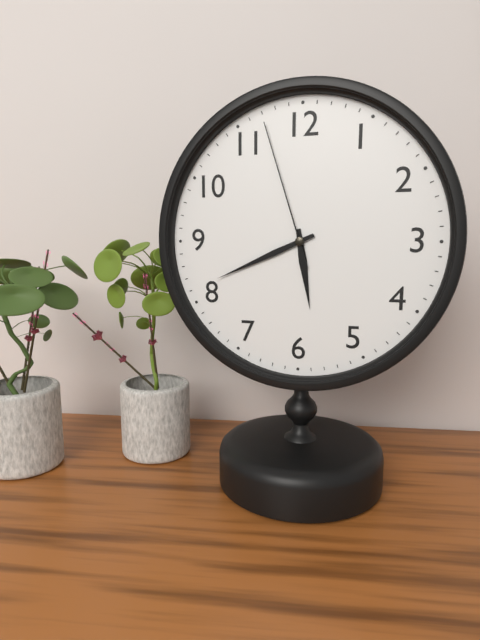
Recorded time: 5.41.57
